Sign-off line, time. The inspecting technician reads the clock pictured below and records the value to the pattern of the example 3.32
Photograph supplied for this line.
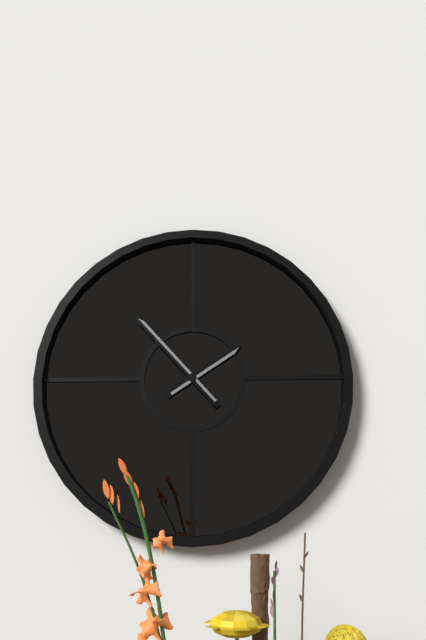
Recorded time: 1.53
